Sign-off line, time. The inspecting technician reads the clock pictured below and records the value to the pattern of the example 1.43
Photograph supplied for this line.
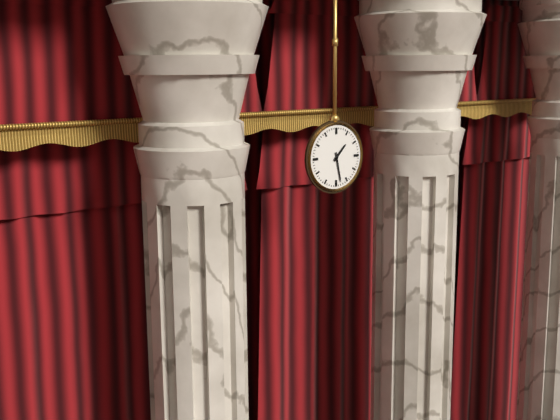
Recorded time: 1.28
